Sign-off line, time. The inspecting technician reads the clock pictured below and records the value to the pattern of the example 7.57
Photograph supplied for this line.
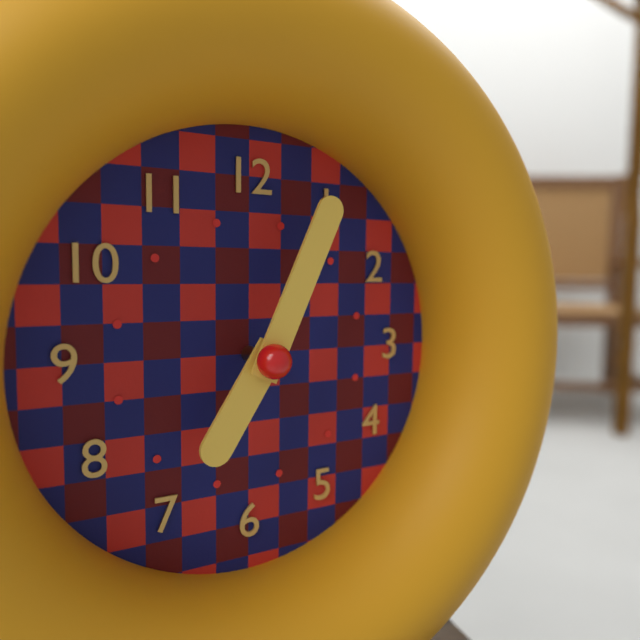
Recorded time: 7.04
